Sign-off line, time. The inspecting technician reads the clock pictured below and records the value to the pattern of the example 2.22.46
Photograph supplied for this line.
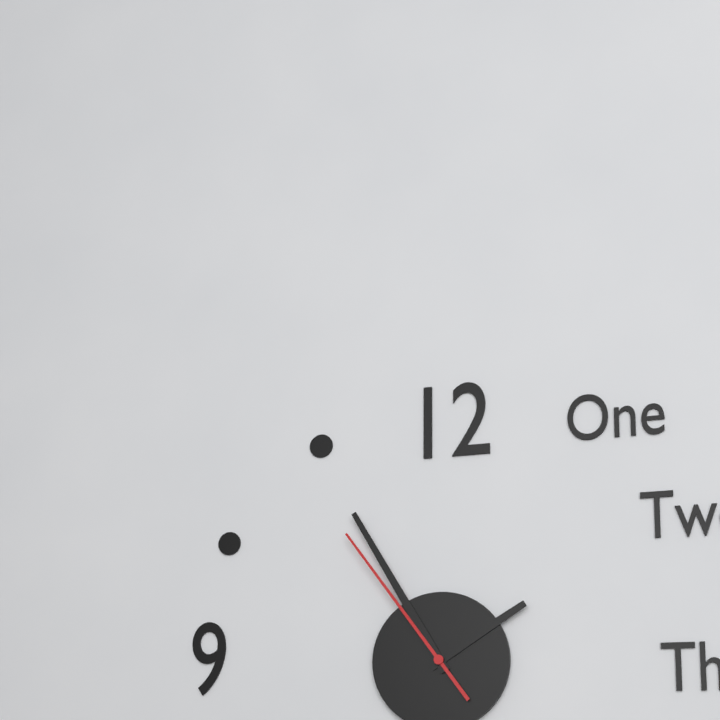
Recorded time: 1.55.54
